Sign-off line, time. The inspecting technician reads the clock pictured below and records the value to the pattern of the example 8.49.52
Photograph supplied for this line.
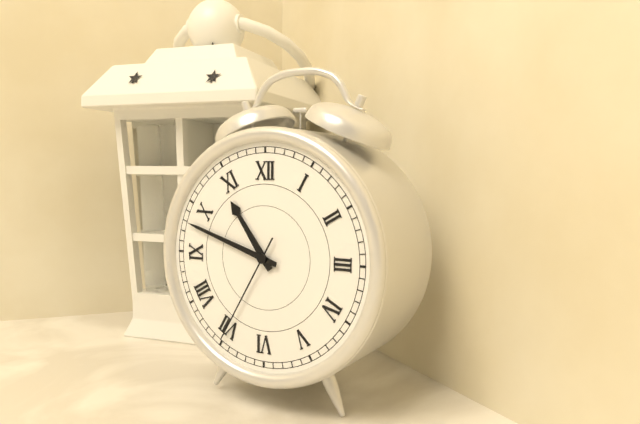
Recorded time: 10.48.35
